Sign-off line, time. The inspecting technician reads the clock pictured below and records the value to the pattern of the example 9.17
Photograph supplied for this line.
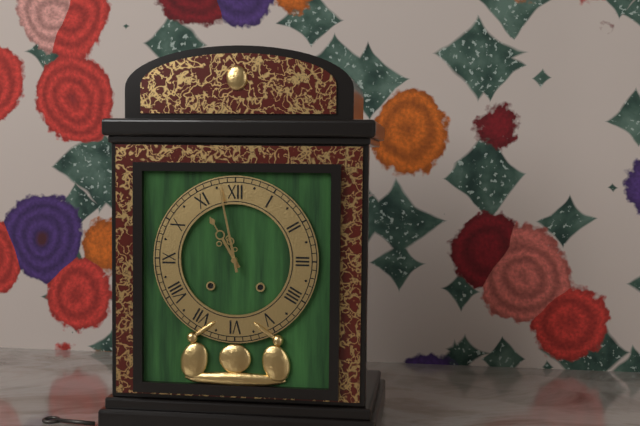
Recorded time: 10.58
